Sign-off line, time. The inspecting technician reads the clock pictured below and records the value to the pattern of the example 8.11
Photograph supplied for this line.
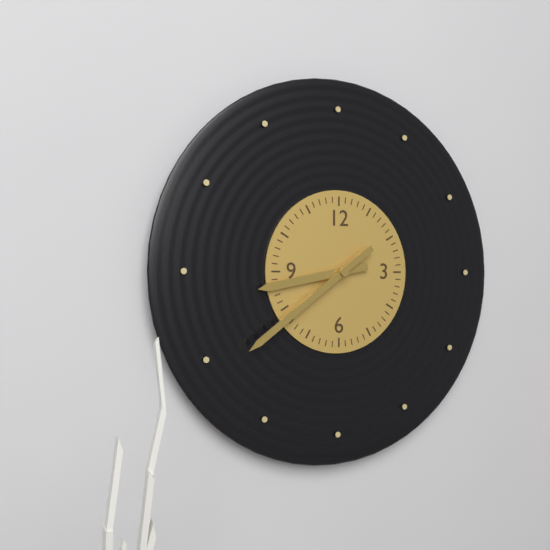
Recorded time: 8.39
